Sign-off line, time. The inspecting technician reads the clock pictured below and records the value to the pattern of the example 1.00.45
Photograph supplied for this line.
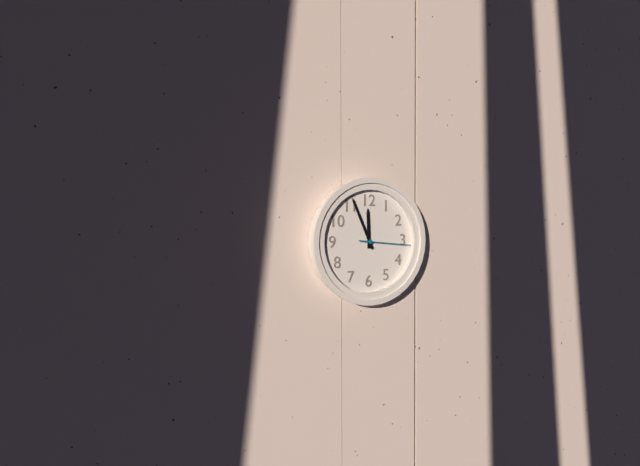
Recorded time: 11.56.16
